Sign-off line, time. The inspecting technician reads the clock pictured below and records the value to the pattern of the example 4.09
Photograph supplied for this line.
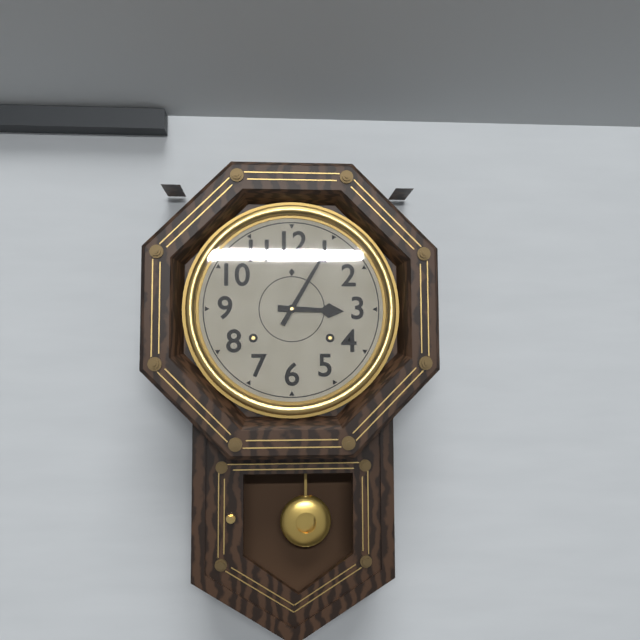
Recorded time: 3.05
